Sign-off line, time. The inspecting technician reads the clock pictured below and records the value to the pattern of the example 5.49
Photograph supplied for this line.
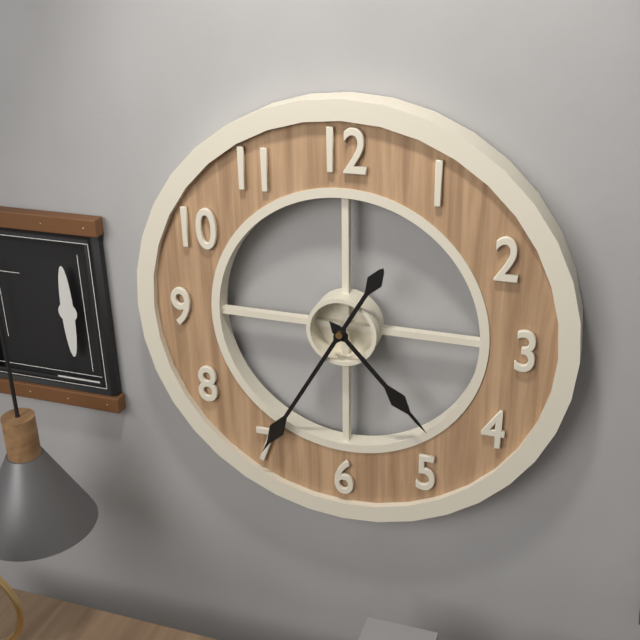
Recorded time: 4.35
